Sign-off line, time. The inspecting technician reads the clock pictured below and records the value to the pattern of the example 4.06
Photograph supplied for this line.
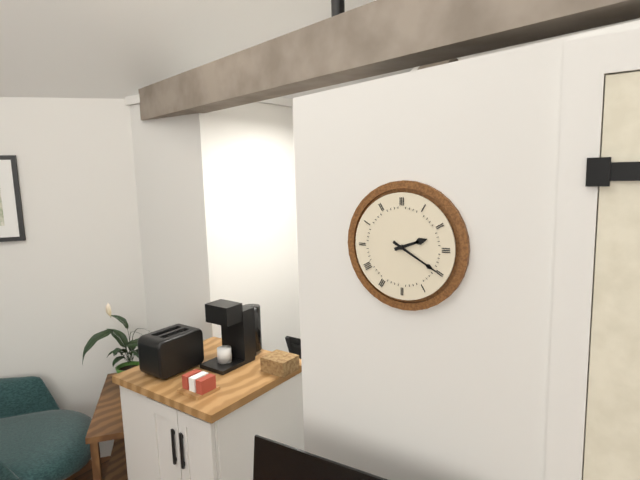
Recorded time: 2.20
